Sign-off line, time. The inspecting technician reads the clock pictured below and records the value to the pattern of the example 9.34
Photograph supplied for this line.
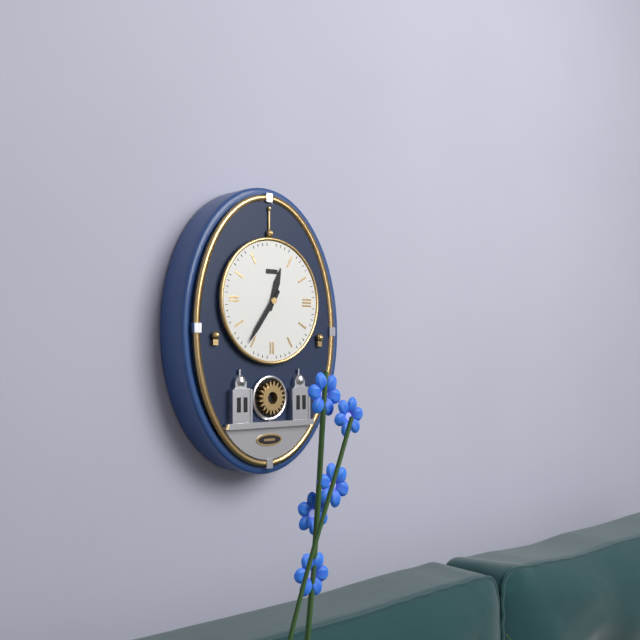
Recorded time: 12.36
